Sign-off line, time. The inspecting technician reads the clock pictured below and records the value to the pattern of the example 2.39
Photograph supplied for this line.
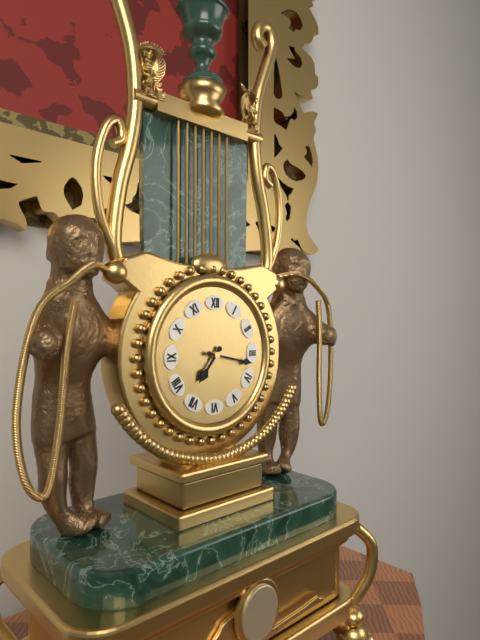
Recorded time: 7.17
